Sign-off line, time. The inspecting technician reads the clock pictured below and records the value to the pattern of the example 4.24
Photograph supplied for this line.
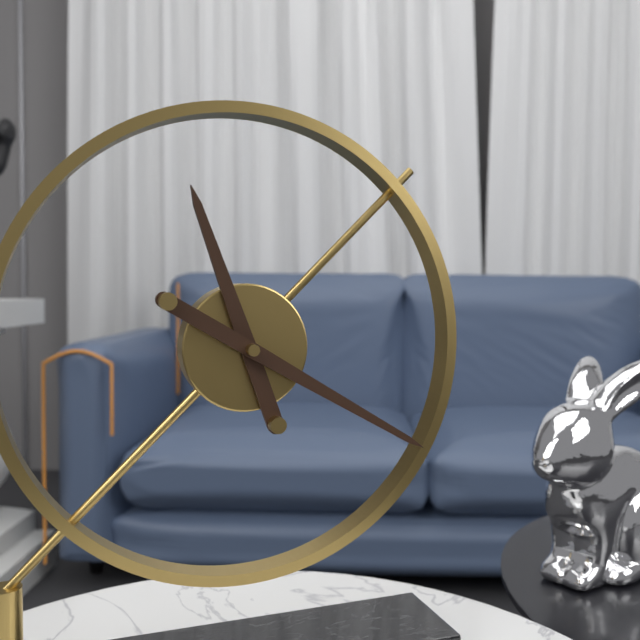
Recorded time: 11.20
